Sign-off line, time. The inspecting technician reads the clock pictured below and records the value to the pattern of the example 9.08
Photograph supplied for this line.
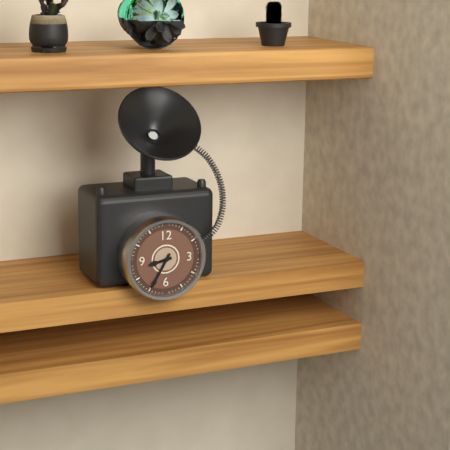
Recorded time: 8.35
